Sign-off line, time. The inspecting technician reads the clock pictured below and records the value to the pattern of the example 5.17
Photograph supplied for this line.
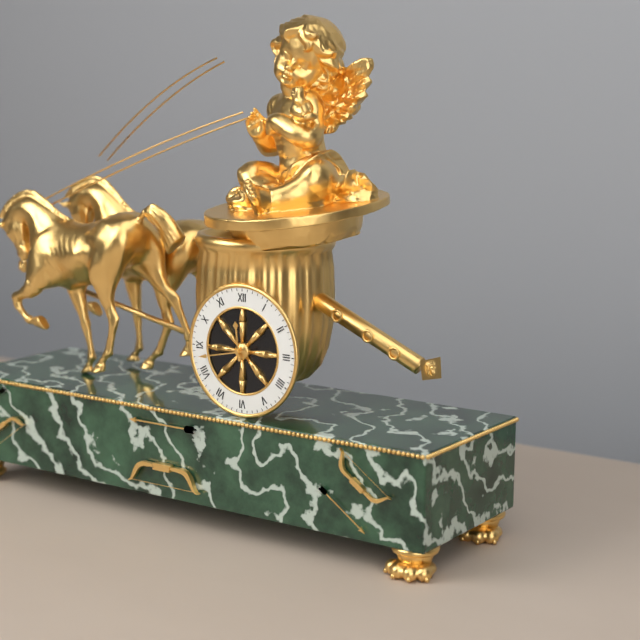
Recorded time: 11.43
